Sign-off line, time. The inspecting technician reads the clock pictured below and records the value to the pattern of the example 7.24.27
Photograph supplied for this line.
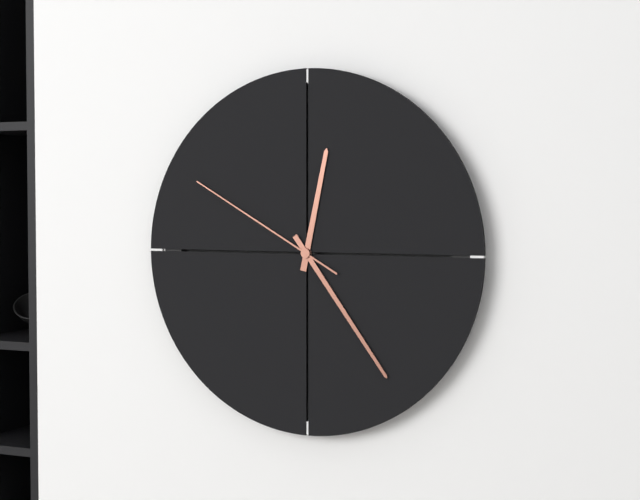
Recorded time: 12.24.50
